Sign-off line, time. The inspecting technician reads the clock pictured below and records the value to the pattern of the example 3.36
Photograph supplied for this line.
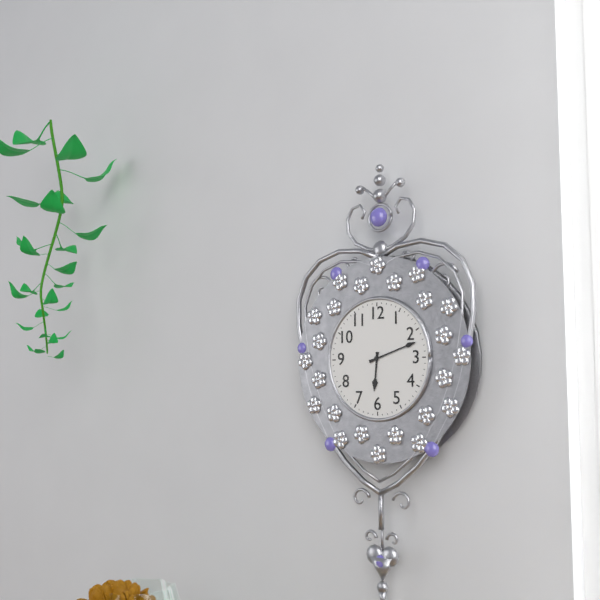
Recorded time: 6.12
